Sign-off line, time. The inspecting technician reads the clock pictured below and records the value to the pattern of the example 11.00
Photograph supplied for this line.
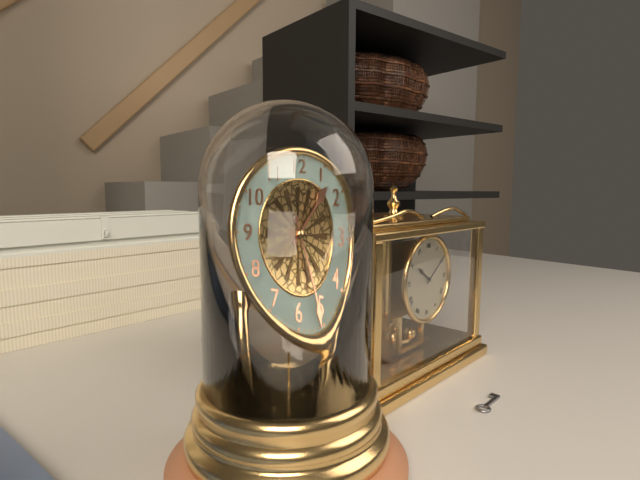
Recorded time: 1.26
